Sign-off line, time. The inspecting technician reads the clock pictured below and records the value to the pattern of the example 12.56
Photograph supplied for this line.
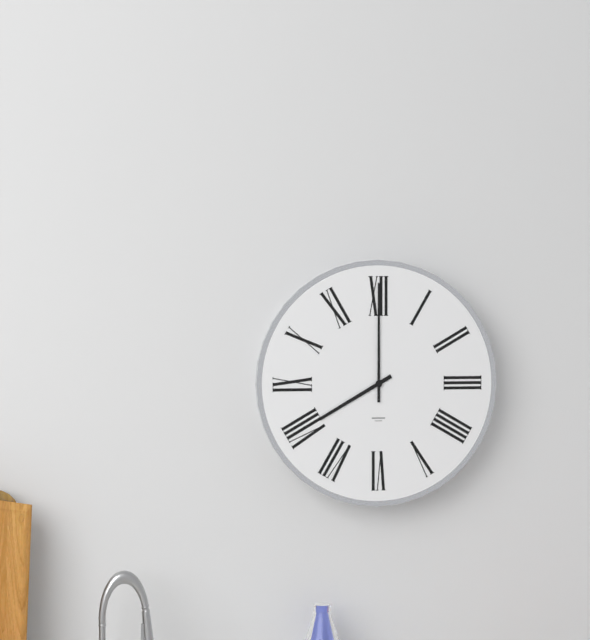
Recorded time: 8.00
